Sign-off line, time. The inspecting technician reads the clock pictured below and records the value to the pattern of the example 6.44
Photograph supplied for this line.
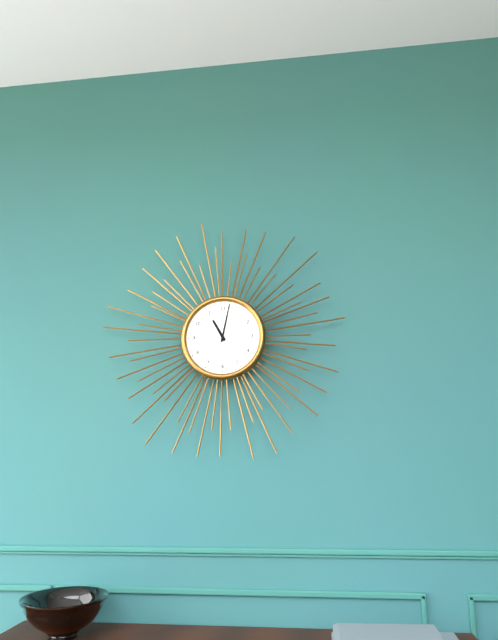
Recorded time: 11.02
